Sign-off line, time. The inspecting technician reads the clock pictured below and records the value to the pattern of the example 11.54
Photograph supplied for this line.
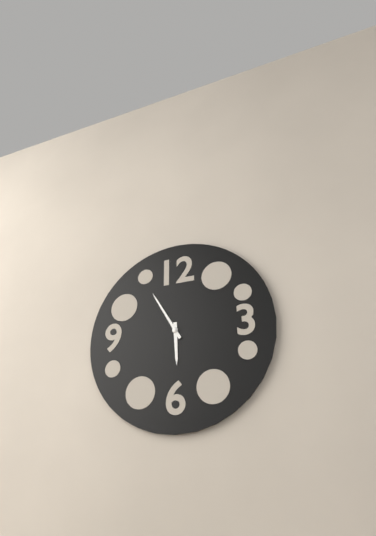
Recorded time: 5.55
